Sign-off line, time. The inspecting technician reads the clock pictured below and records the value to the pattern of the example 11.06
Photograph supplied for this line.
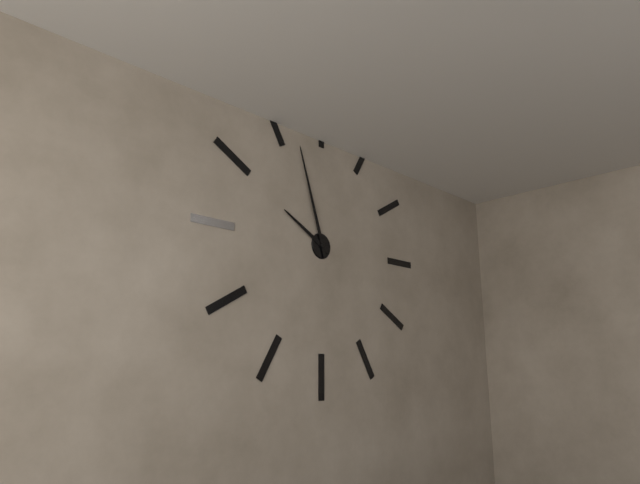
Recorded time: 9.57
